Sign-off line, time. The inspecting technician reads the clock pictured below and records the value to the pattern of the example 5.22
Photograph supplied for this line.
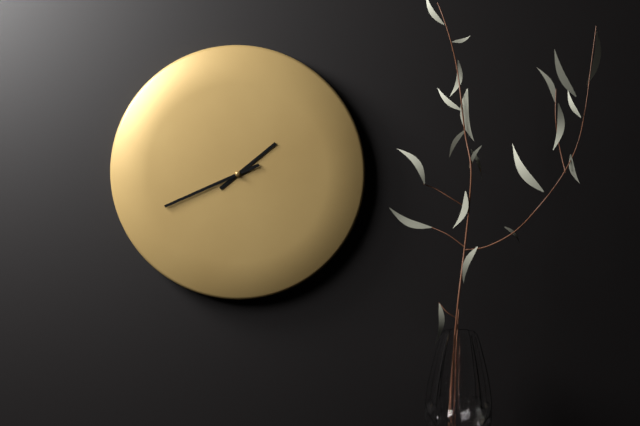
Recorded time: 1.41
